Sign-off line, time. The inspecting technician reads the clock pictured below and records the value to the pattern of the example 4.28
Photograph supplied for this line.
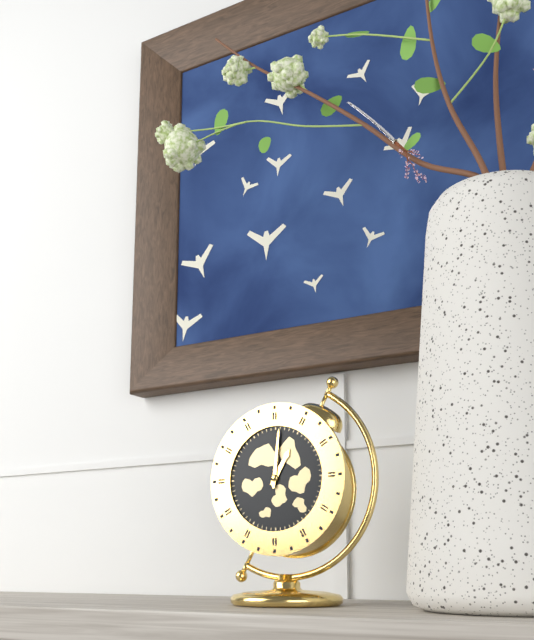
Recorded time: 1.01
